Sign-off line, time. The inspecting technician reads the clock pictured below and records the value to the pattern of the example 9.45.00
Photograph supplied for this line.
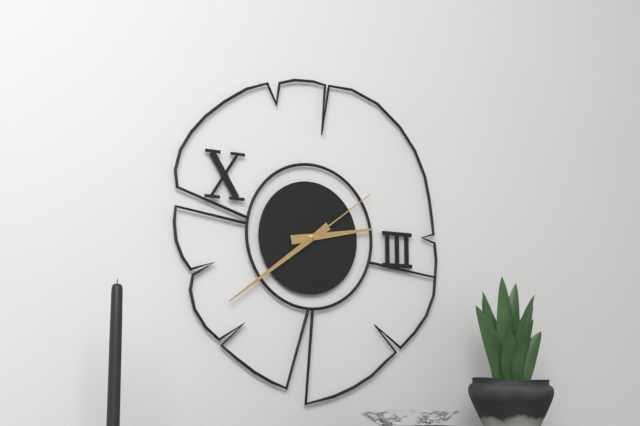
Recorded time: 2.39.09
